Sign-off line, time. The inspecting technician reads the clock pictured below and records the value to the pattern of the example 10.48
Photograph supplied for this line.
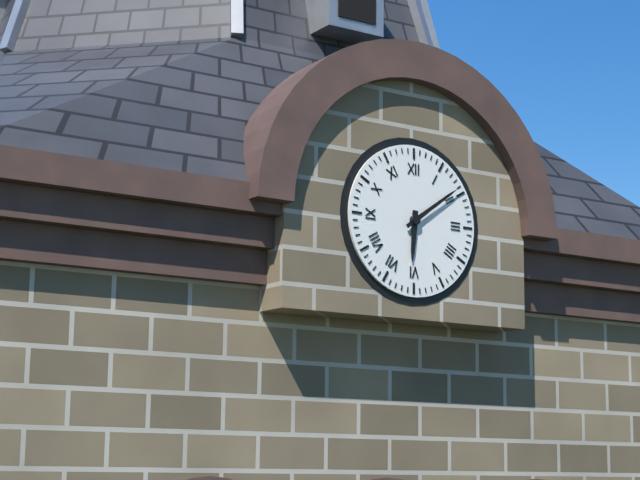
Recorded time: 6.09
